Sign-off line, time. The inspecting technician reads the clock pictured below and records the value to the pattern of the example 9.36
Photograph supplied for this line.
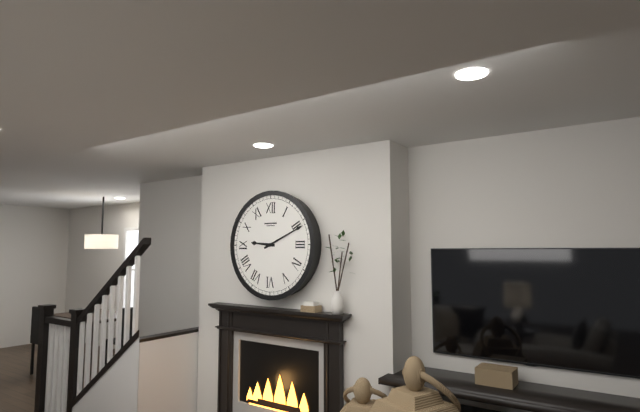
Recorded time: 9.11
